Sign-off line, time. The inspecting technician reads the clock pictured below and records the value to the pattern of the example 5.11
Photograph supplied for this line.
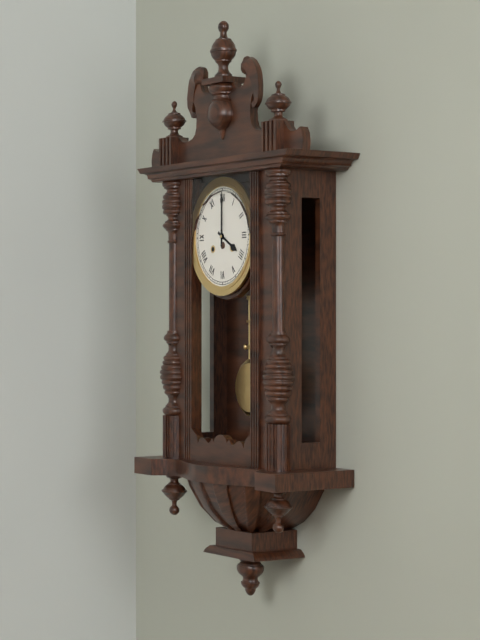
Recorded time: 4.00
